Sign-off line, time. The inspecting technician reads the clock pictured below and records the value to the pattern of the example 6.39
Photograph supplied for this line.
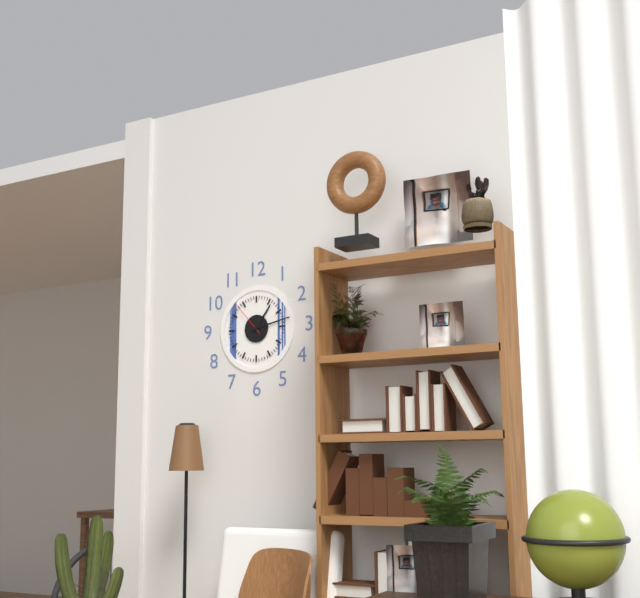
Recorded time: 1.13
